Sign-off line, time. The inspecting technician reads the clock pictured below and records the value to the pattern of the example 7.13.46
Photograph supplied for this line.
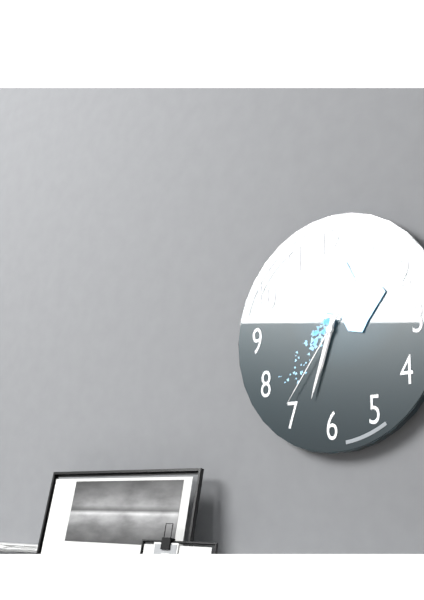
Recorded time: 6.33.36
